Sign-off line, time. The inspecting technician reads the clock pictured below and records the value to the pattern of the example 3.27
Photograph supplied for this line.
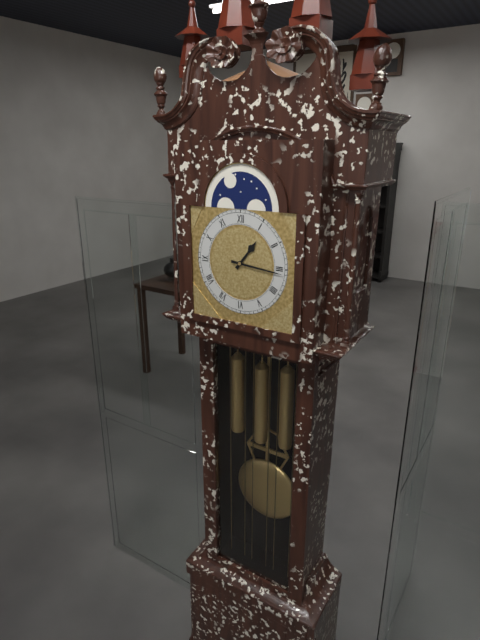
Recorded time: 1.16
